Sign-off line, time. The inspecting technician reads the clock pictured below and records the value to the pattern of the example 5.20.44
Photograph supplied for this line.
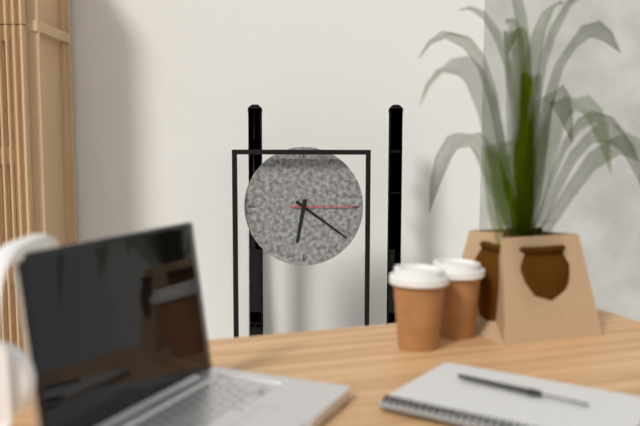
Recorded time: 6.21.15
